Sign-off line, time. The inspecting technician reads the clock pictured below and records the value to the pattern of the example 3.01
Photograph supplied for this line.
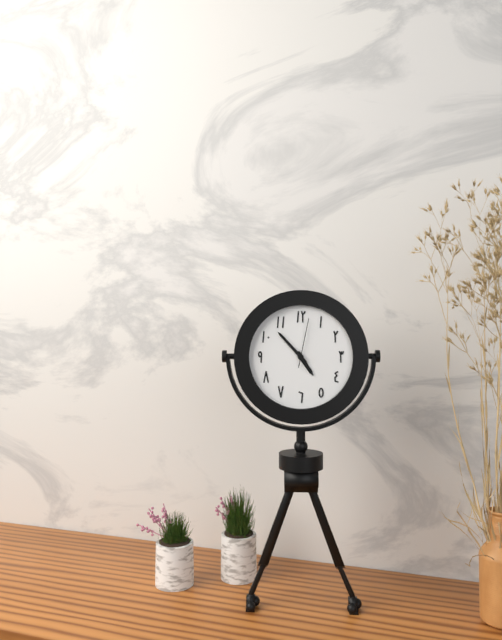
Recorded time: 4.53
